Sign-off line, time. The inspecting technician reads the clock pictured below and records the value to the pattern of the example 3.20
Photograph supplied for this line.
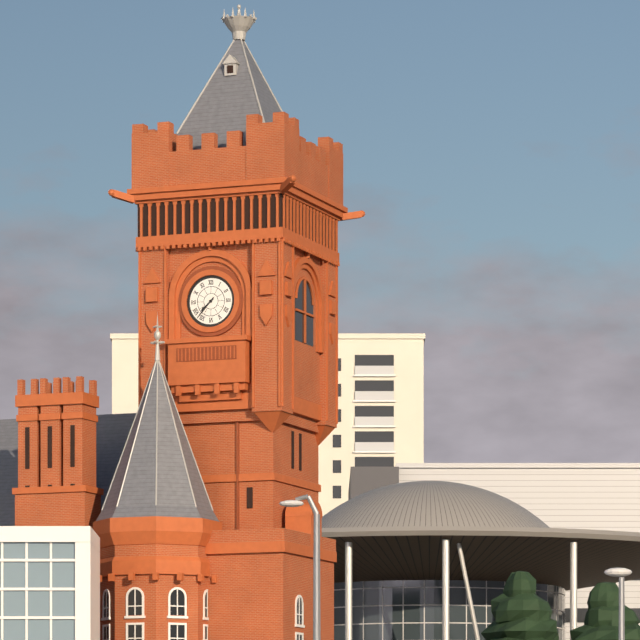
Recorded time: 7.37
